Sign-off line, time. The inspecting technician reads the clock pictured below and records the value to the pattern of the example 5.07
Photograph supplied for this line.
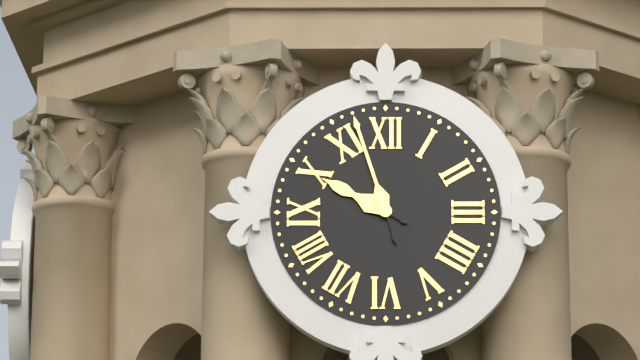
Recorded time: 9.57
